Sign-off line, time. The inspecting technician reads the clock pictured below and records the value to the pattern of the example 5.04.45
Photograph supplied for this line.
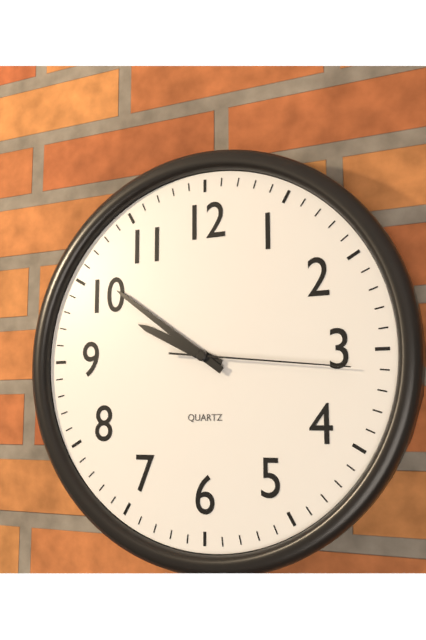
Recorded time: 9.51.16
